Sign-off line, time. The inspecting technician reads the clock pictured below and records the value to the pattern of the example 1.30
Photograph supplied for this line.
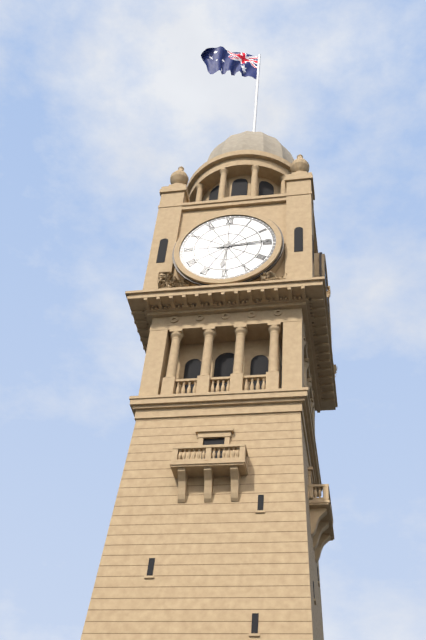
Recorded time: 6.14
